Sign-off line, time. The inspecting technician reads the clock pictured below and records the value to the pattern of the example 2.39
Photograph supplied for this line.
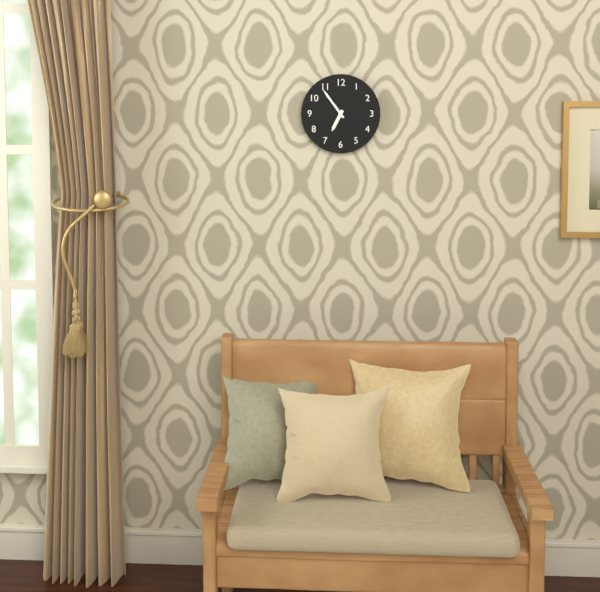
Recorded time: 6.54
